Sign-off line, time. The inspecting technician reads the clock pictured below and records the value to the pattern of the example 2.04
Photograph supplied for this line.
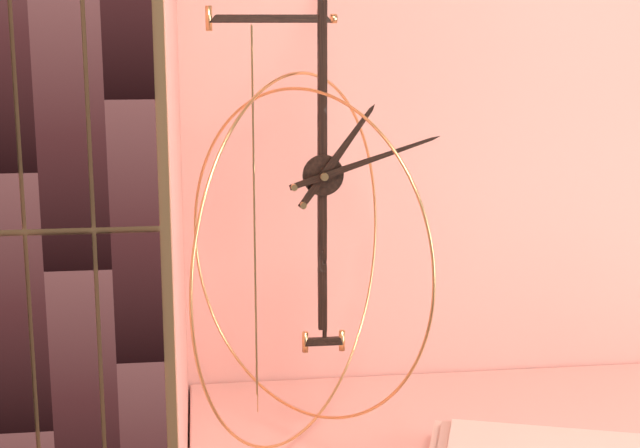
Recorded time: 1.12
